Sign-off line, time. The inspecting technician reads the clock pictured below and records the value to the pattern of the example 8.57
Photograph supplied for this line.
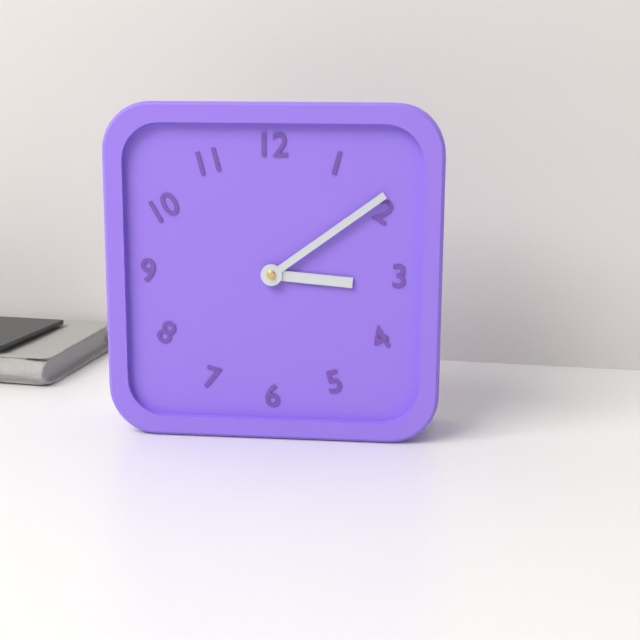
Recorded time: 3.09
